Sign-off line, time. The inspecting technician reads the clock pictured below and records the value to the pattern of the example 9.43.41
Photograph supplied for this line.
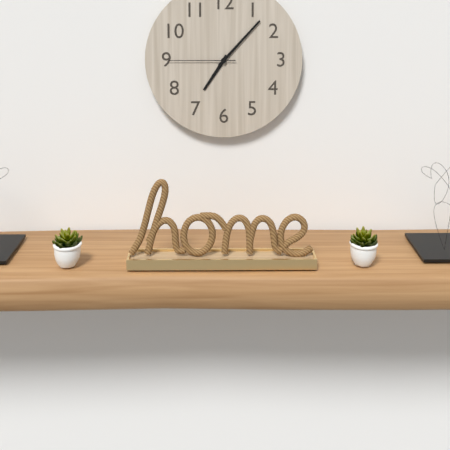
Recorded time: 7.07.45
